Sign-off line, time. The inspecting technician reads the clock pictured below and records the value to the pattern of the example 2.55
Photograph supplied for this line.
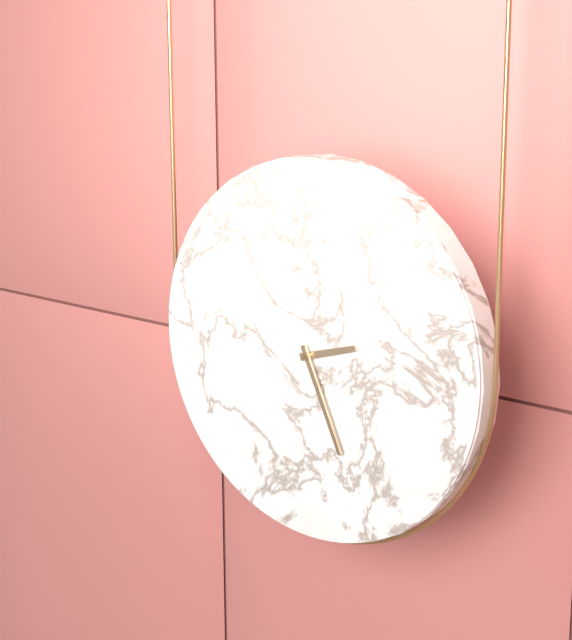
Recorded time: 2.26
